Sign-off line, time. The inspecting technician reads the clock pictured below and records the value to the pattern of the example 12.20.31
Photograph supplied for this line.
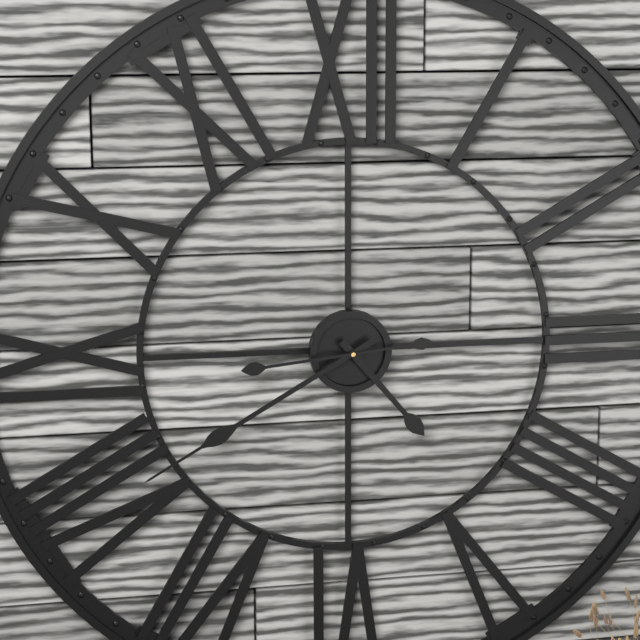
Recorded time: 4.40.44
